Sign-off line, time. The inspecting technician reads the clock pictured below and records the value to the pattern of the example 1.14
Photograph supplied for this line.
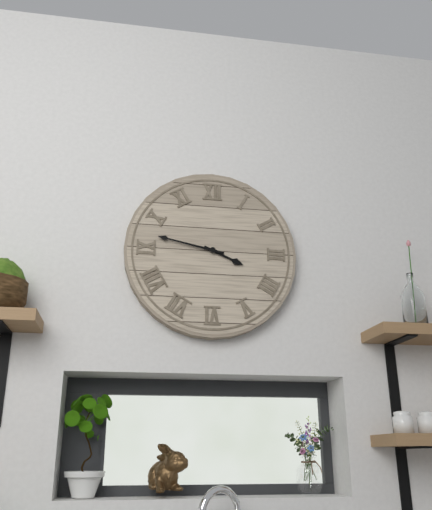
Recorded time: 3.47
